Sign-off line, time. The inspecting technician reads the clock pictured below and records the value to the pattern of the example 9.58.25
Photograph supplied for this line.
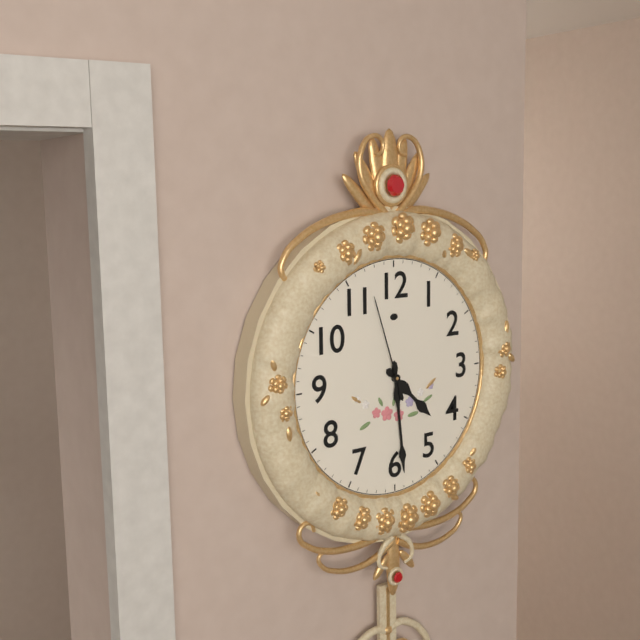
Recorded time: 4.29.57
